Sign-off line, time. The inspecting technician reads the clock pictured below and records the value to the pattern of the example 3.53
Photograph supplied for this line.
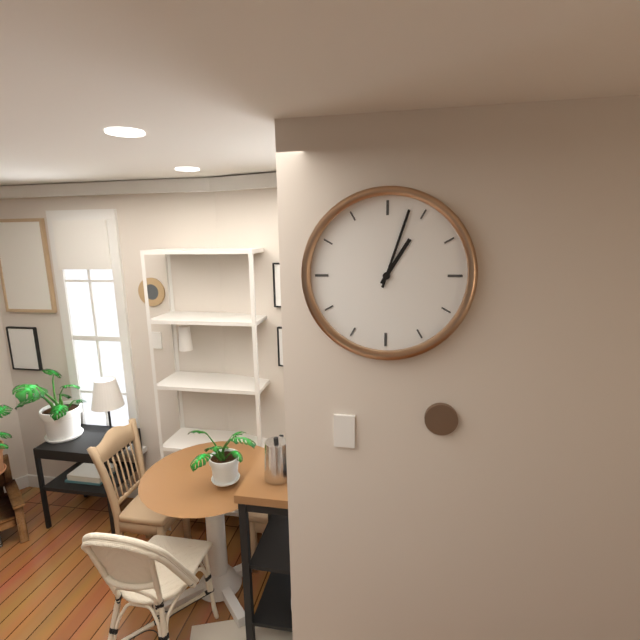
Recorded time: 1.03
